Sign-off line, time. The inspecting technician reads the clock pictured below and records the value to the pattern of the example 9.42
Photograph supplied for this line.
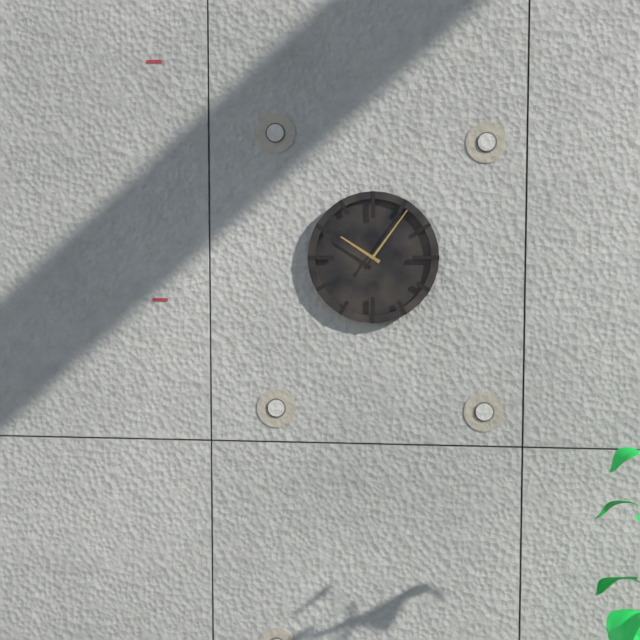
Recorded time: 10.06
